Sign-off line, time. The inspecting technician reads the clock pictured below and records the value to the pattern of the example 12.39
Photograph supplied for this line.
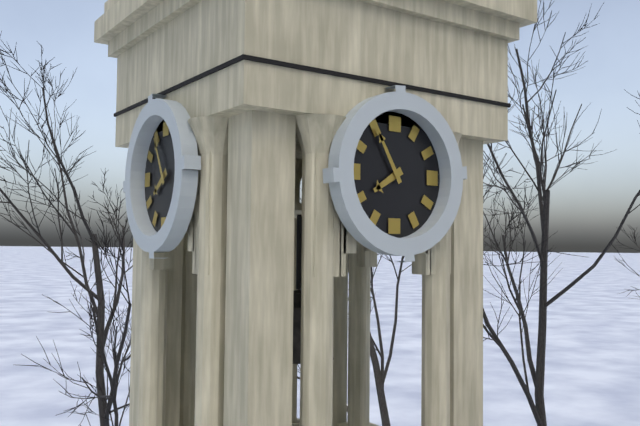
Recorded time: 7.55
